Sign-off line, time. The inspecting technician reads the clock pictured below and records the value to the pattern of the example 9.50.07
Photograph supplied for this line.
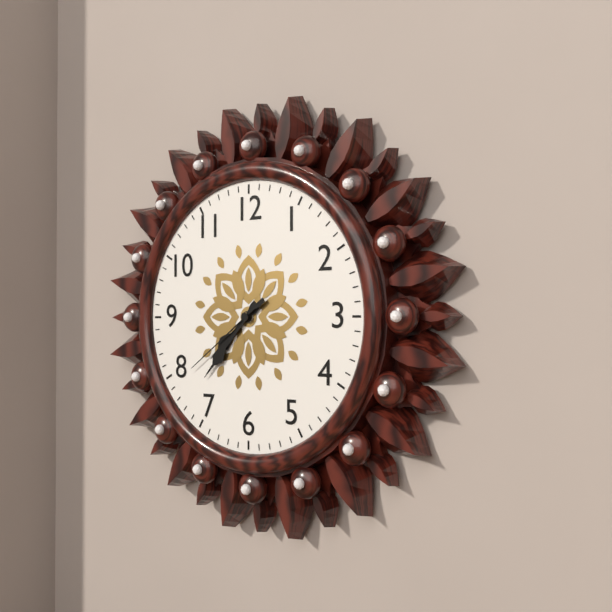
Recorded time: 7.37.39
